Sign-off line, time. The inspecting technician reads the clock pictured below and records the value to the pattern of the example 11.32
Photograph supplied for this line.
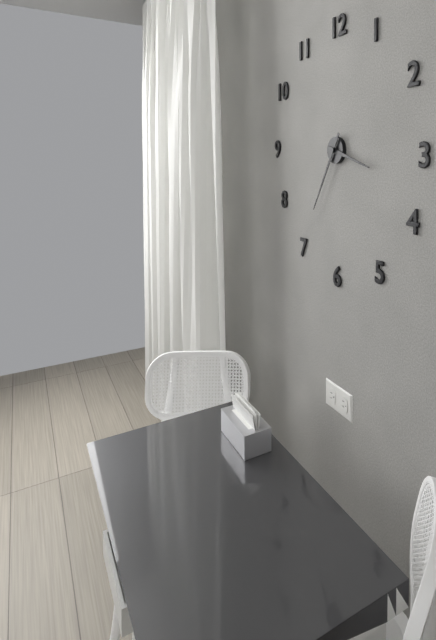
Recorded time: 3.35
